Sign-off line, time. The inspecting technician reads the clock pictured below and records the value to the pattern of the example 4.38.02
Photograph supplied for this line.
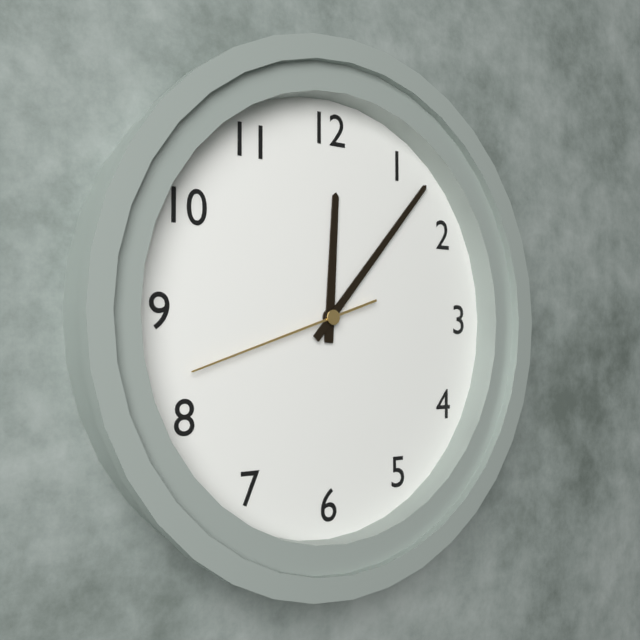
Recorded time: 12.07.42
